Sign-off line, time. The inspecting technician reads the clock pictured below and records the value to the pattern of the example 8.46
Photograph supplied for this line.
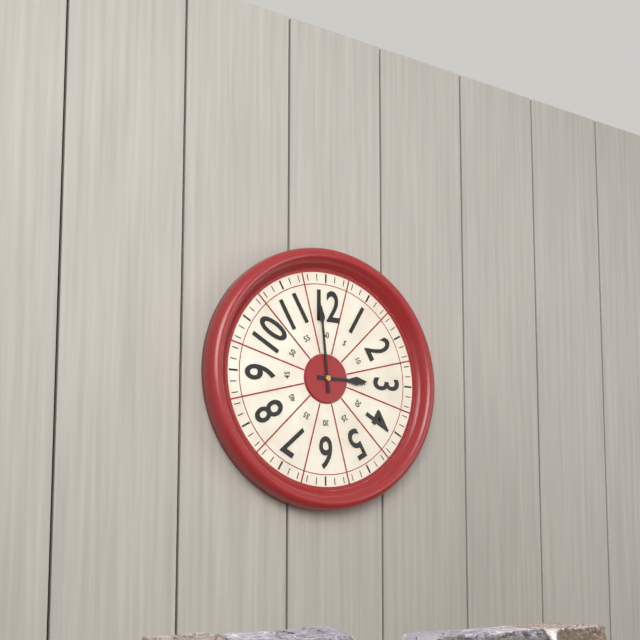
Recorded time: 2.59
